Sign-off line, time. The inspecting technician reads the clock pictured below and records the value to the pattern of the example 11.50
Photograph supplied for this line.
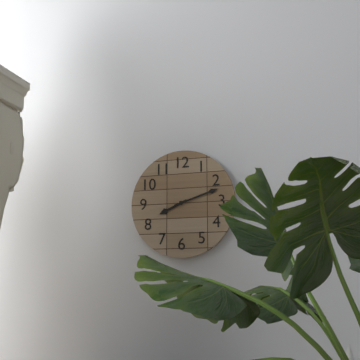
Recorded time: 8.12
